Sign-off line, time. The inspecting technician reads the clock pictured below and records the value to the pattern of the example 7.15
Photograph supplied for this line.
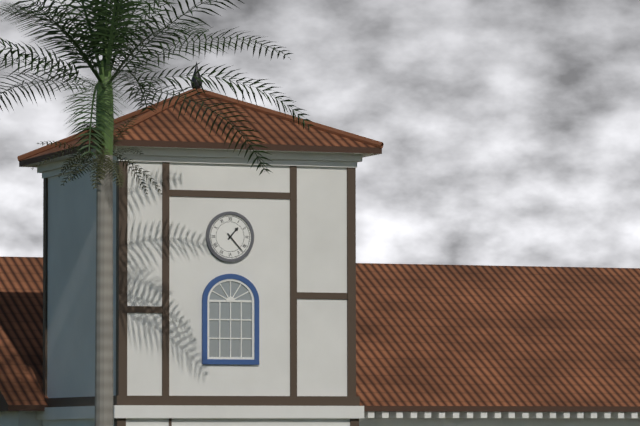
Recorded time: 1.23
